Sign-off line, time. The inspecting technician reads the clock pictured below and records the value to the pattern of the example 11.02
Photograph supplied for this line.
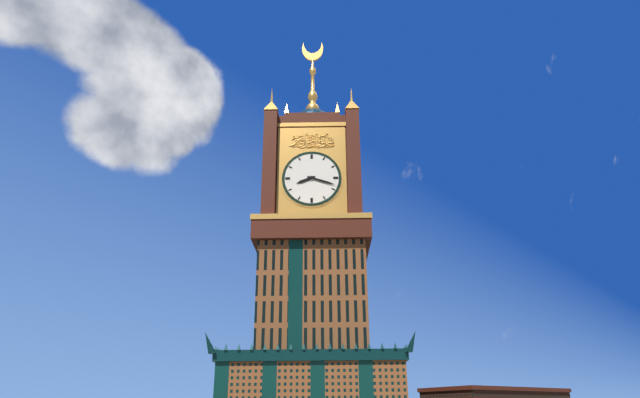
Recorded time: 8.18
